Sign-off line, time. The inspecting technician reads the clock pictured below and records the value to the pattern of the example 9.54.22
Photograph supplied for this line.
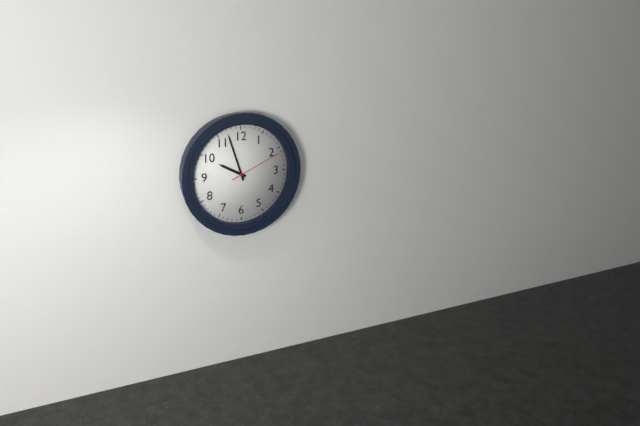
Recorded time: 9.57.11
